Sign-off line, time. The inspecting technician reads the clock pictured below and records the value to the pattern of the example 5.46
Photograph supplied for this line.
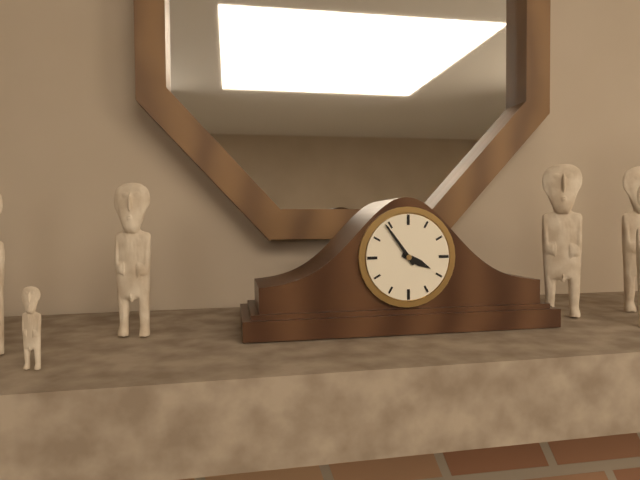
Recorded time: 3.54
